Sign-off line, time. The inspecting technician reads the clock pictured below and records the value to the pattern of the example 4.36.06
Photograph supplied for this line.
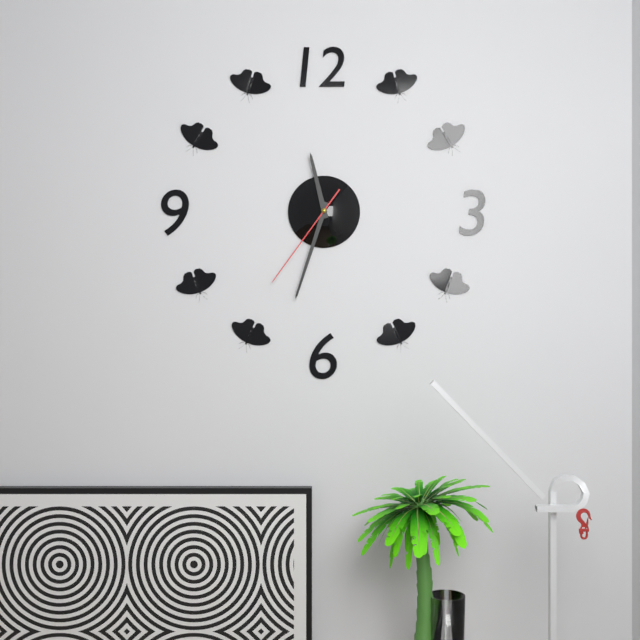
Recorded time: 11.33.36
